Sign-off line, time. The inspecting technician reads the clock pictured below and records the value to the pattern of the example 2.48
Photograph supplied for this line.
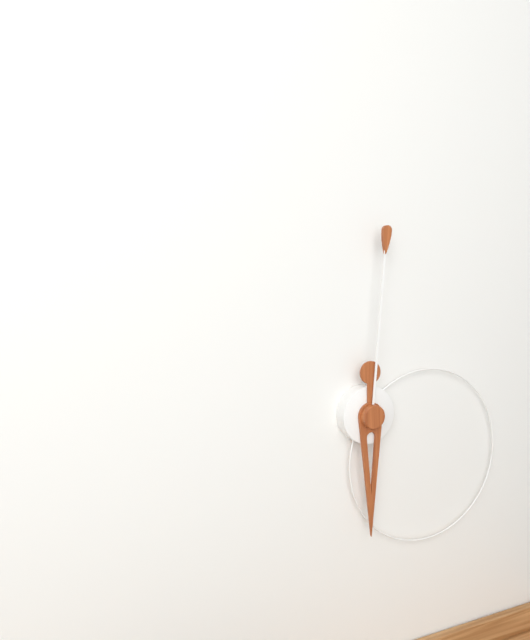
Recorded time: 6.01
